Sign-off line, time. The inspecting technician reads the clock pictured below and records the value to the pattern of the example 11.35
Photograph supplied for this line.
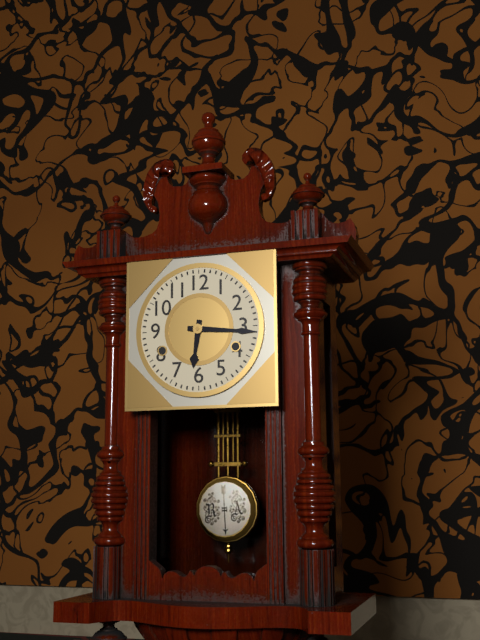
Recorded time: 6.16
